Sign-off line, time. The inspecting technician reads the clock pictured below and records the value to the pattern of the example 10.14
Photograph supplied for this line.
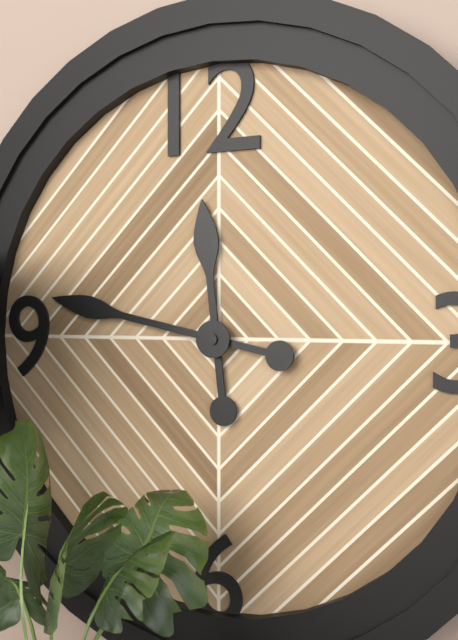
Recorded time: 11.47
